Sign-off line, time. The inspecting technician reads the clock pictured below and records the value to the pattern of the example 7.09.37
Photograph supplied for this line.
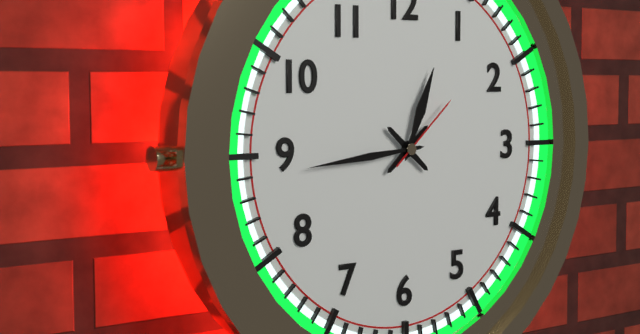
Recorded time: 12.44.08
